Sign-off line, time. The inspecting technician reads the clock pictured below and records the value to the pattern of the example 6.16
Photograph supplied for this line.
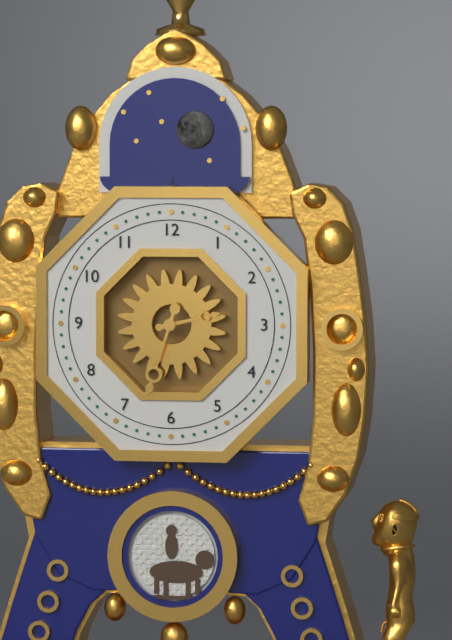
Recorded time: 2.33
